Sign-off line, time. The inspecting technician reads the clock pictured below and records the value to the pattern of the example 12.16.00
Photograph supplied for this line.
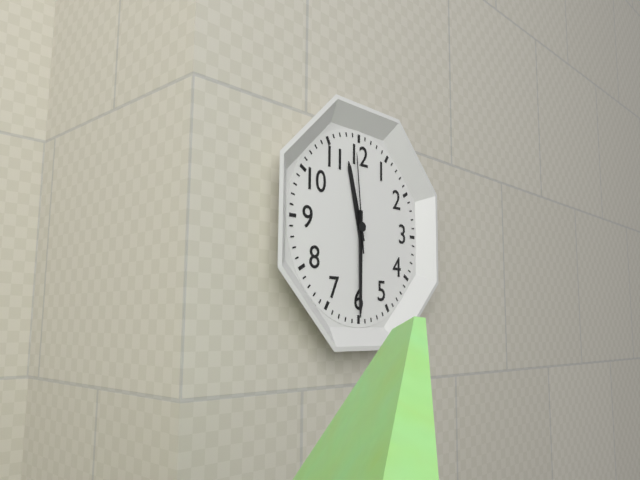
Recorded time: 11.30.59
